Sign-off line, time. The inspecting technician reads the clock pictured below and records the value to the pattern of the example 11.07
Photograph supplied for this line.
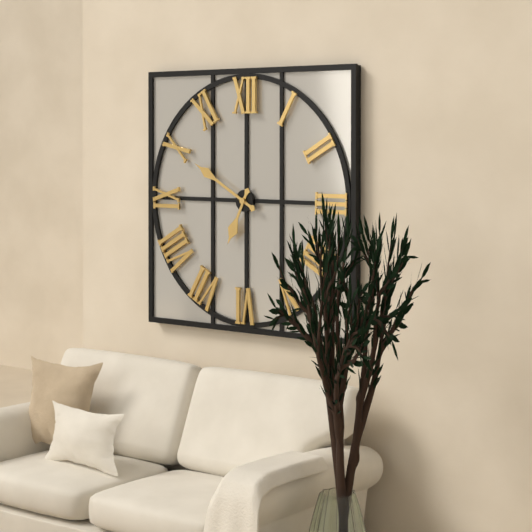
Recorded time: 6.50
